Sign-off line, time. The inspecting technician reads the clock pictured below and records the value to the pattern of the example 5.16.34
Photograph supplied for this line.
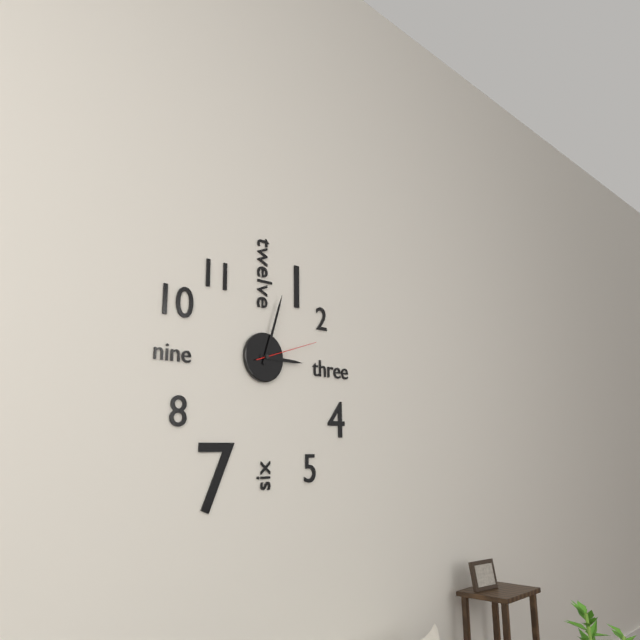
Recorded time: 3.03.12
